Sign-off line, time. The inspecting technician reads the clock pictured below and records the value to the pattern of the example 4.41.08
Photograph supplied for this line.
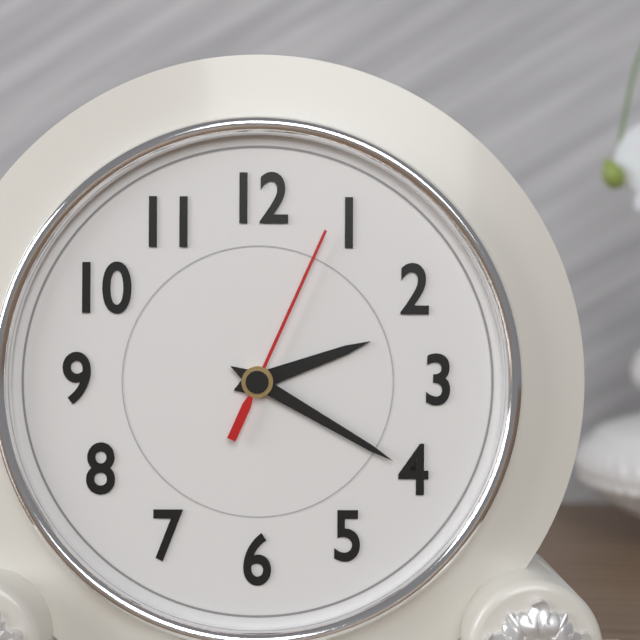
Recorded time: 2.20.04
